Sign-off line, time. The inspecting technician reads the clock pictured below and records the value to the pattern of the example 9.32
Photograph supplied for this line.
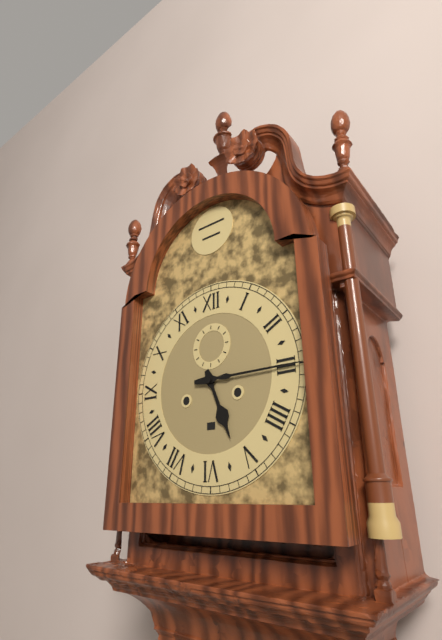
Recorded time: 5.15
